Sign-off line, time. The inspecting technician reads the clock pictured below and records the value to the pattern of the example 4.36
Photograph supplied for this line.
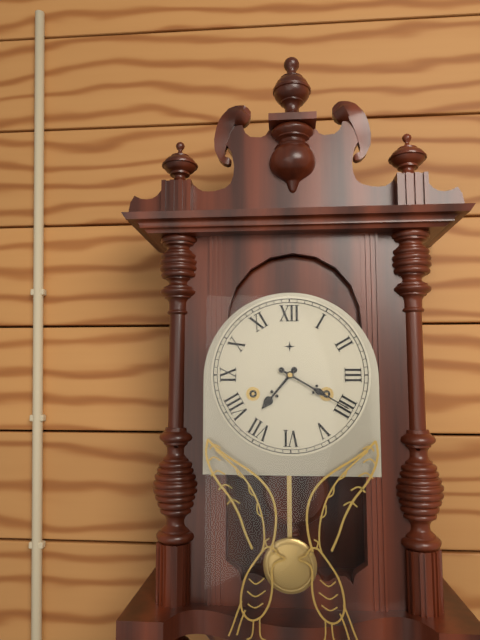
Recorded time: 7.20
